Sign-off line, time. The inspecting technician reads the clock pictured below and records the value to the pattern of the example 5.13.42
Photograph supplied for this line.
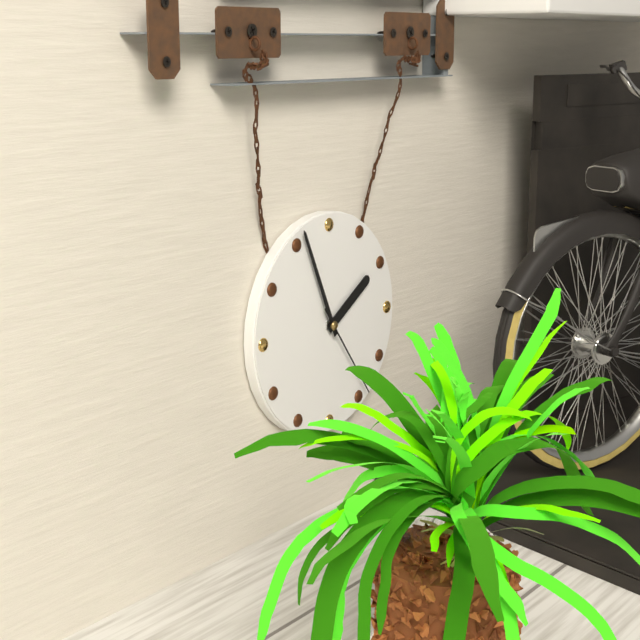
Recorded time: 1.56.24
